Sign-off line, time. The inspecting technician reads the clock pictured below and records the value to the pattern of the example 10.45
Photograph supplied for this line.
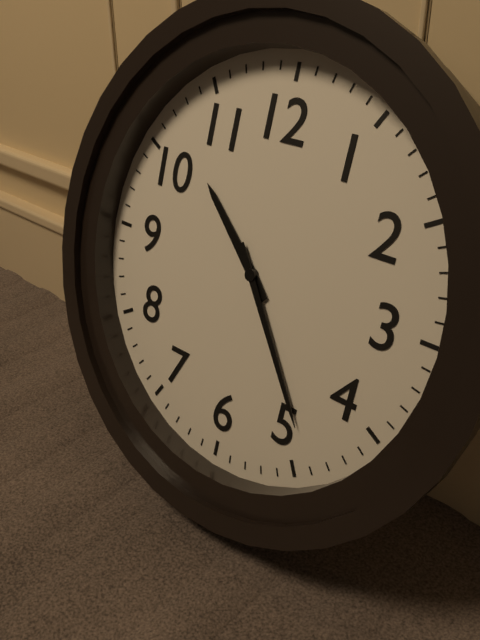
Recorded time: 10.24
